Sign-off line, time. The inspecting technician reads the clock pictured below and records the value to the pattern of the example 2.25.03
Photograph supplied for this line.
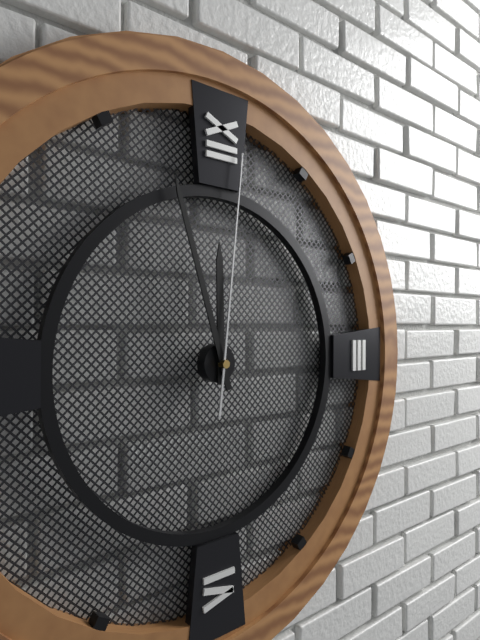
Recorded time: 11.57.01
